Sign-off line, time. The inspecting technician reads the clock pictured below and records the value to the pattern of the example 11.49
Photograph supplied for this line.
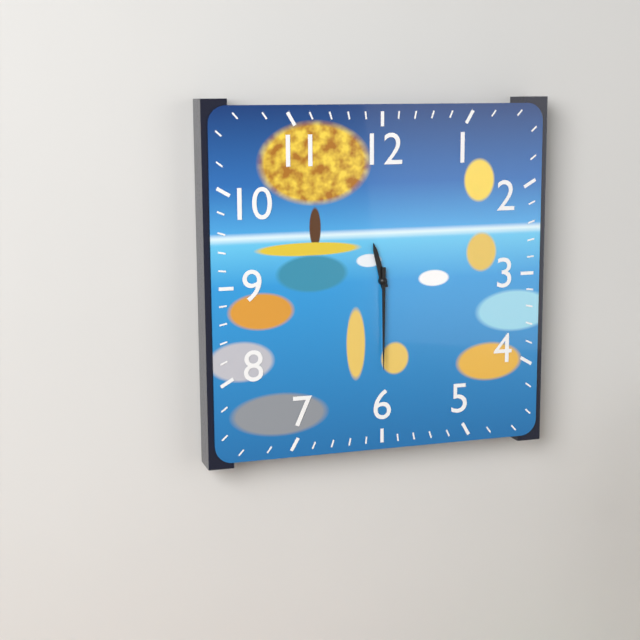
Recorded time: 11.30
